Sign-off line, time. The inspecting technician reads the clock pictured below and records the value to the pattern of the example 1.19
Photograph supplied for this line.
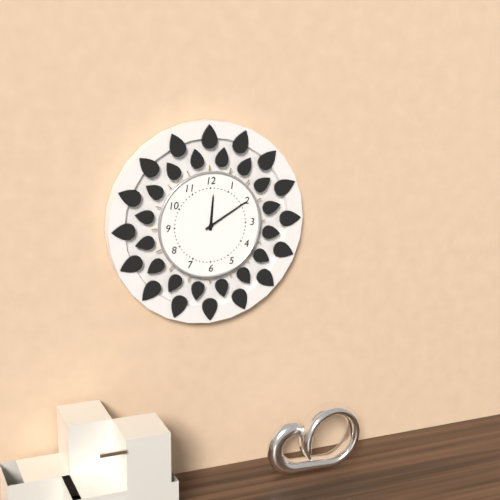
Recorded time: 12.10
